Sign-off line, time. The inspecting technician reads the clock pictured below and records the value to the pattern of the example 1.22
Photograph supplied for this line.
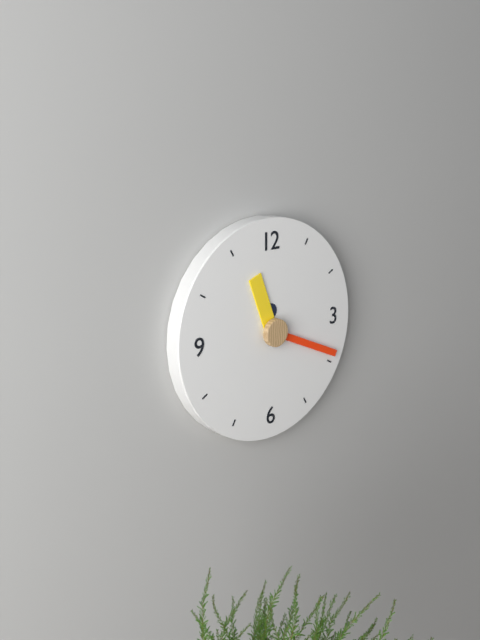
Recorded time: 11.19
